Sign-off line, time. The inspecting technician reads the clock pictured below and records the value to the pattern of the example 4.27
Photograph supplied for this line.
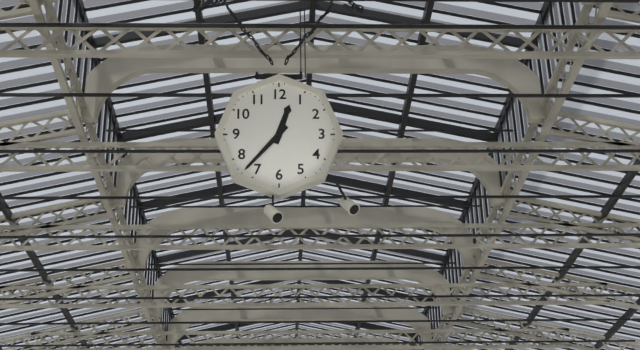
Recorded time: 12.37
